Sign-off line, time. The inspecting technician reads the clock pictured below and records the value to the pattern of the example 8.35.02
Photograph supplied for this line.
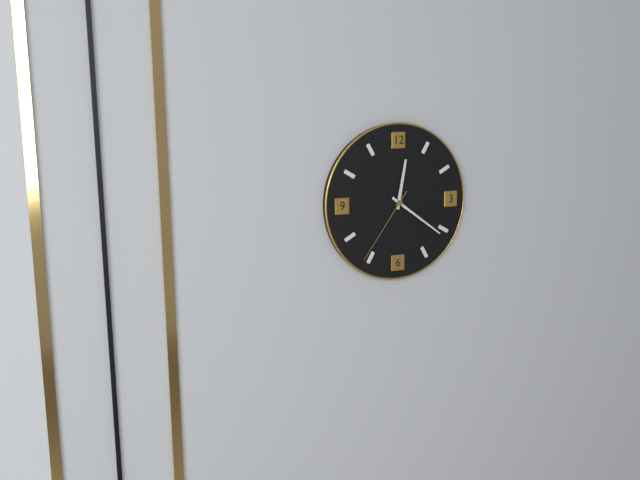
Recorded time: 12.21.36
